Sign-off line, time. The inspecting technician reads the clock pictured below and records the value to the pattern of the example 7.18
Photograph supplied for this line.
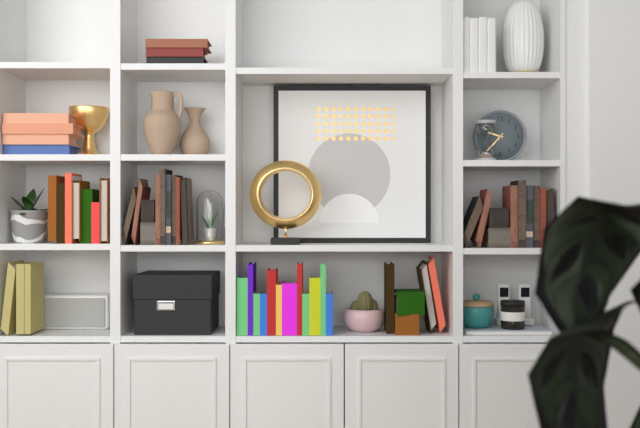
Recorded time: 9.37
